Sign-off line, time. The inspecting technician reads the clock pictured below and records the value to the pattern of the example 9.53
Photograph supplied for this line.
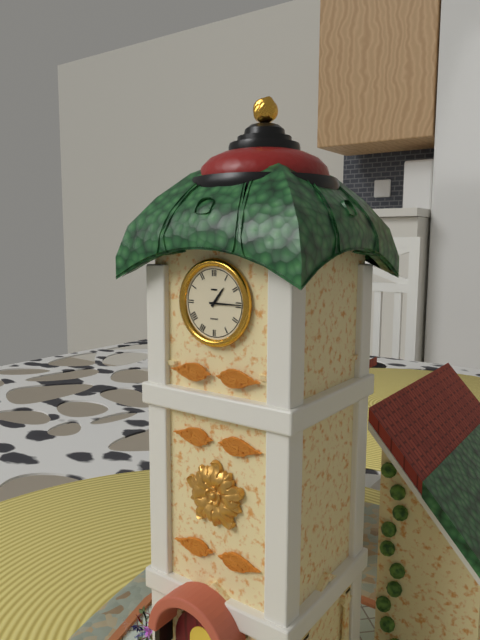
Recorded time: 1.15
